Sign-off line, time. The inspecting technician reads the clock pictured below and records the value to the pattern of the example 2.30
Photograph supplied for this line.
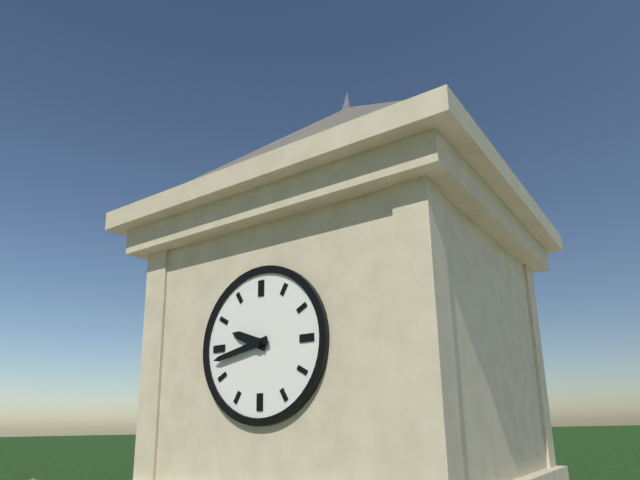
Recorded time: 9.43
